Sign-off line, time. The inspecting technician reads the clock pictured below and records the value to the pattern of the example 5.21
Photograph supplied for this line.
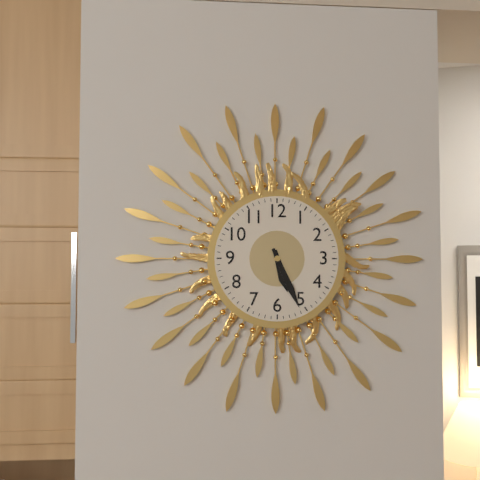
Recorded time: 5.26
